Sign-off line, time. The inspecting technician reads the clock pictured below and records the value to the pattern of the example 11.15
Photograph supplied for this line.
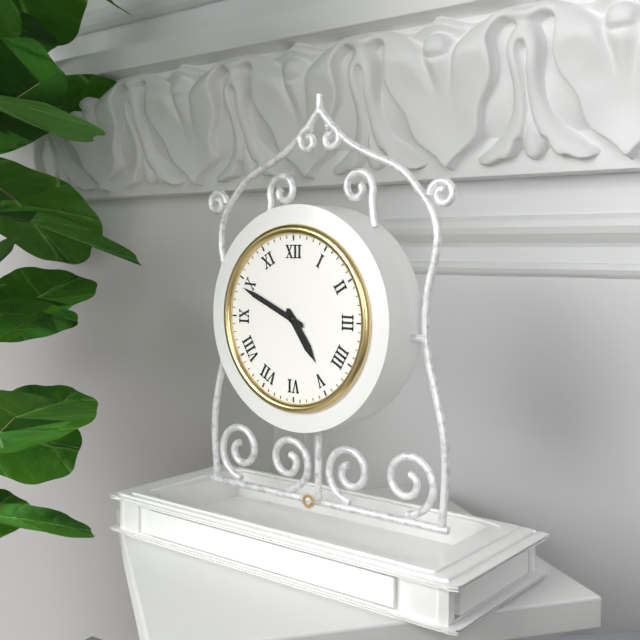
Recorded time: 4.49
